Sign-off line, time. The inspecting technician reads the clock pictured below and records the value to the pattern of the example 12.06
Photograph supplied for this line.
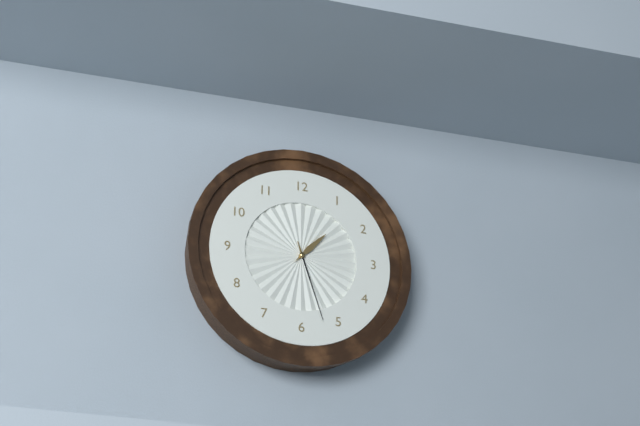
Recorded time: 1.27
